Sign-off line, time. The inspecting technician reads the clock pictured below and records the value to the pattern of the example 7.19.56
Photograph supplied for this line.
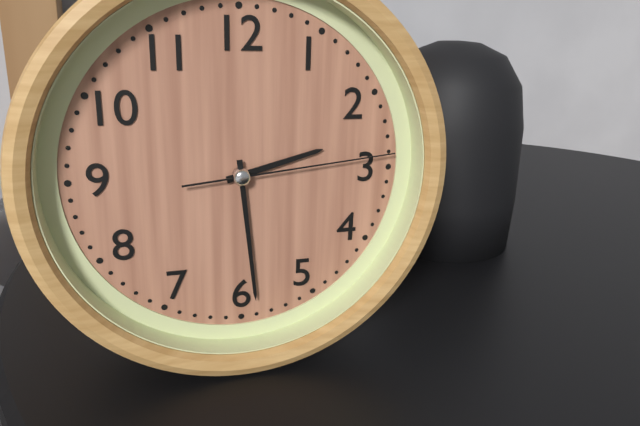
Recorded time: 2.29.14
